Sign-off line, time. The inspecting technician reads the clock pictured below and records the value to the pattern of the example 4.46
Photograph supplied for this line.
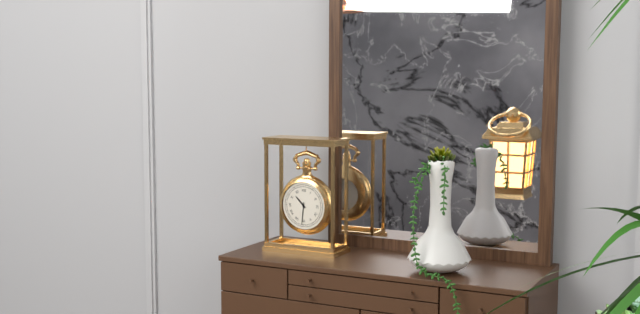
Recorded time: 10.31
